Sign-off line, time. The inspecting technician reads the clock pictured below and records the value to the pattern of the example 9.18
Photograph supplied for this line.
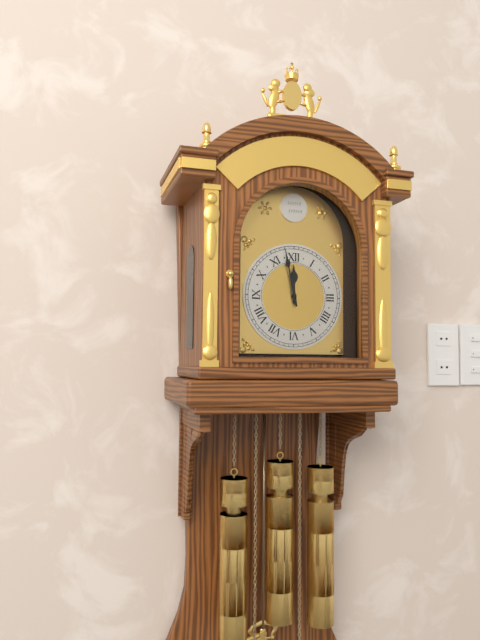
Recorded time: 11.58
